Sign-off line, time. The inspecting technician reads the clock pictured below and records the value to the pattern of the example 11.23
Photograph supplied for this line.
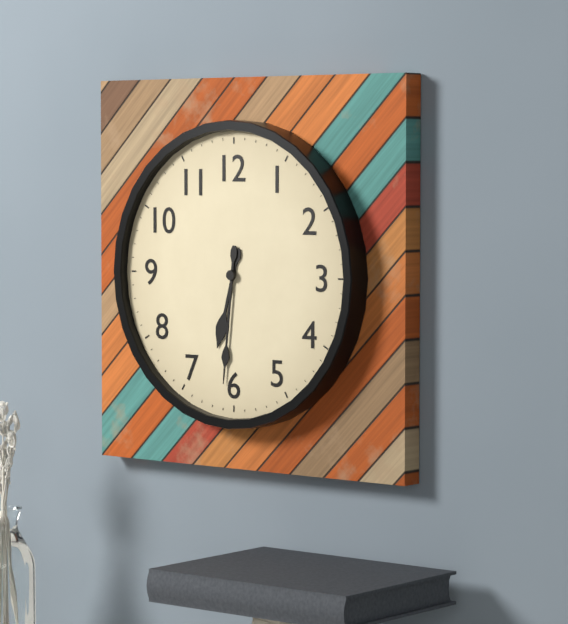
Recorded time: 6.31
